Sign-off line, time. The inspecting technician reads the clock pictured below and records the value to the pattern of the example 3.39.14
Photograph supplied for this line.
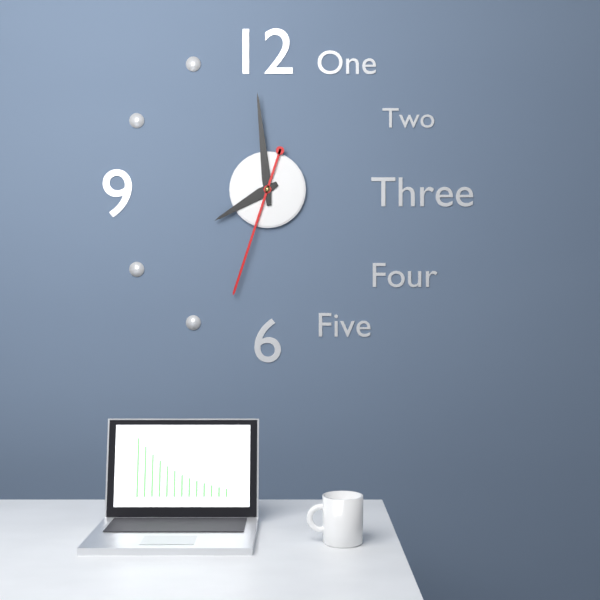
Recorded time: 7.59.33
